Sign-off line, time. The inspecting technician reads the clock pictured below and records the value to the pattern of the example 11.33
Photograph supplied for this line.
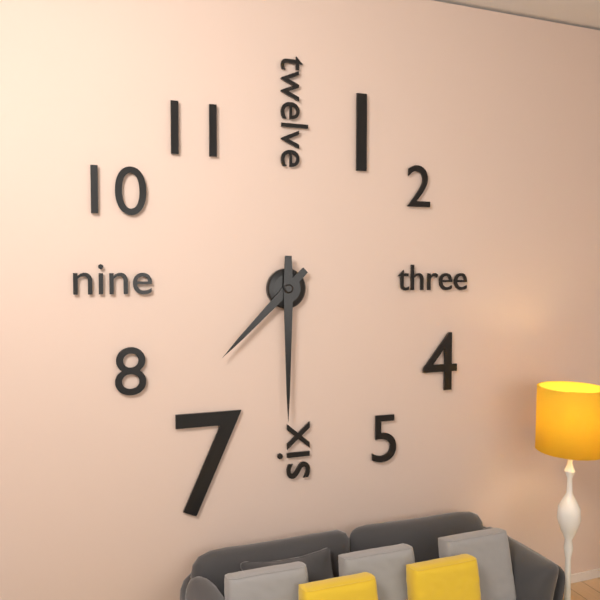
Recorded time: 7.30
